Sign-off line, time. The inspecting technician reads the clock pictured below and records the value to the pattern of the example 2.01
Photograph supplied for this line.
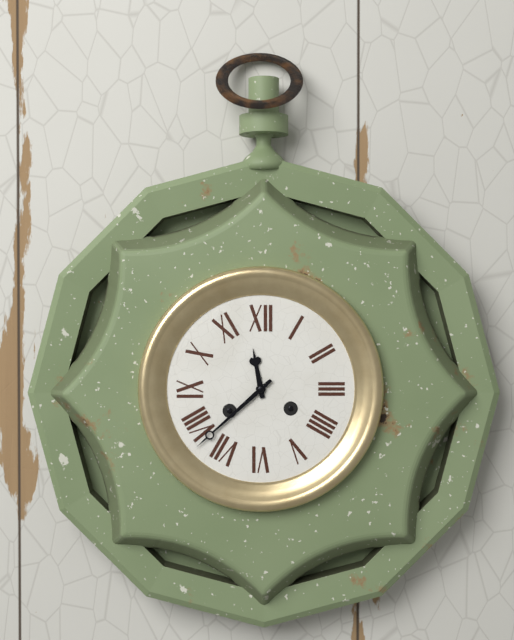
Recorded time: 11.38
